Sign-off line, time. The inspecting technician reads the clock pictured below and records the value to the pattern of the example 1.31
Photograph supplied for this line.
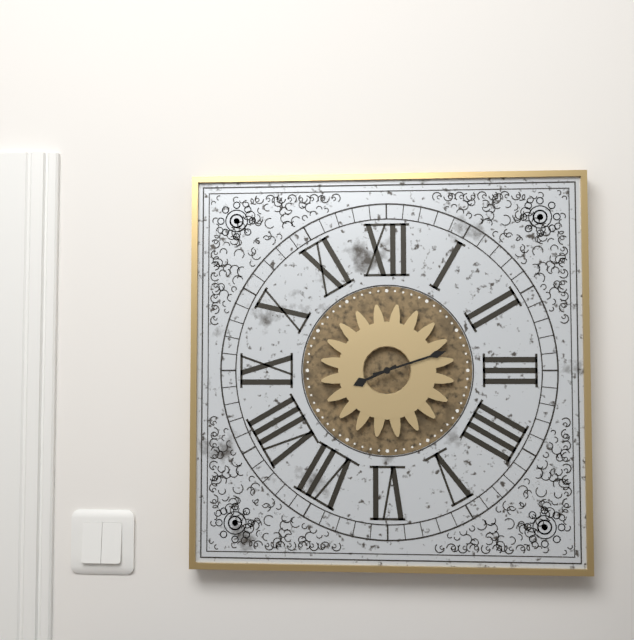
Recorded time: 8.12
